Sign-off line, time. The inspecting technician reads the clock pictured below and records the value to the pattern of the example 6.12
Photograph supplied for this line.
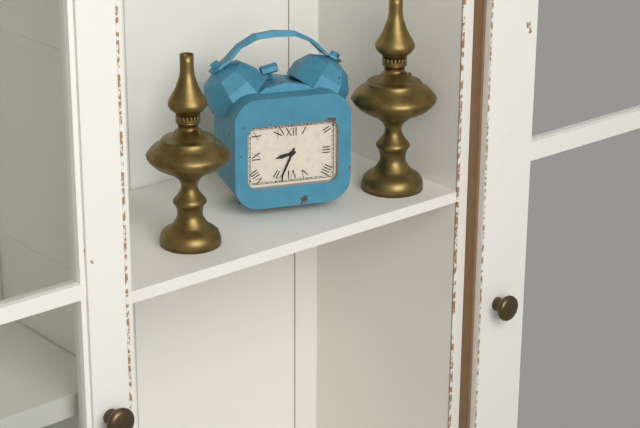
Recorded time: 8.34
